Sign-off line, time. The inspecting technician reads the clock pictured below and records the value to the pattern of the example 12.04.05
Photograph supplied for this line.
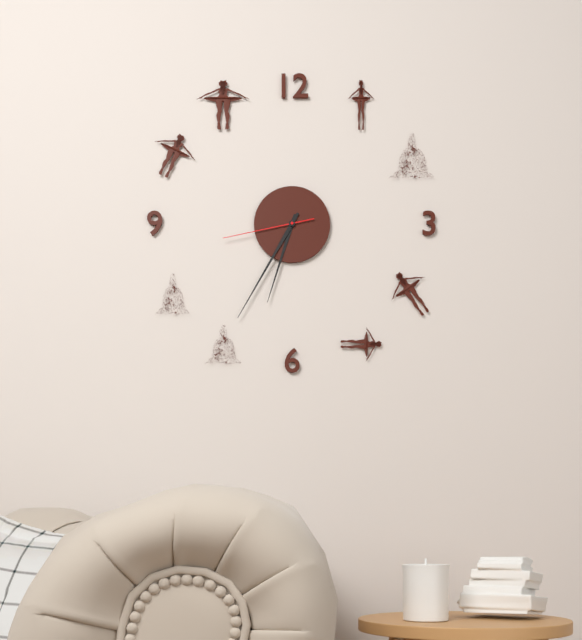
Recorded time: 6.35.43
